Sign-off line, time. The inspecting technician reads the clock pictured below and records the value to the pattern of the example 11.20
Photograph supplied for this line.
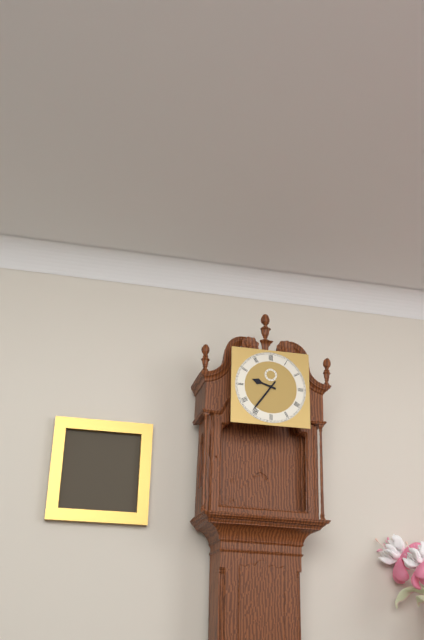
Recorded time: 9.36
